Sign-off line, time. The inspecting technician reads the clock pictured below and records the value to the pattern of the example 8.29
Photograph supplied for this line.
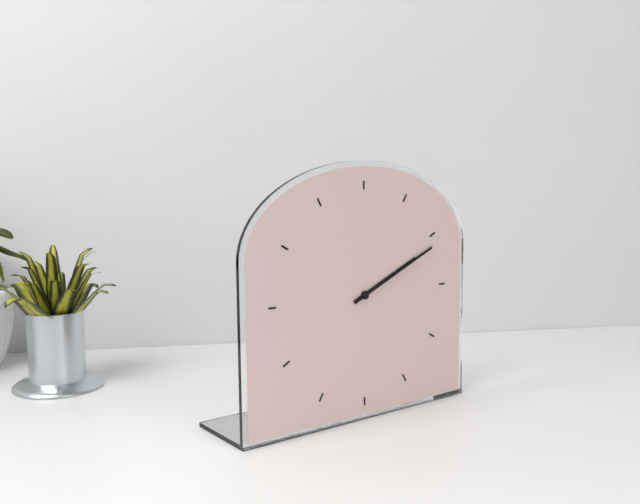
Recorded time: 2.11
